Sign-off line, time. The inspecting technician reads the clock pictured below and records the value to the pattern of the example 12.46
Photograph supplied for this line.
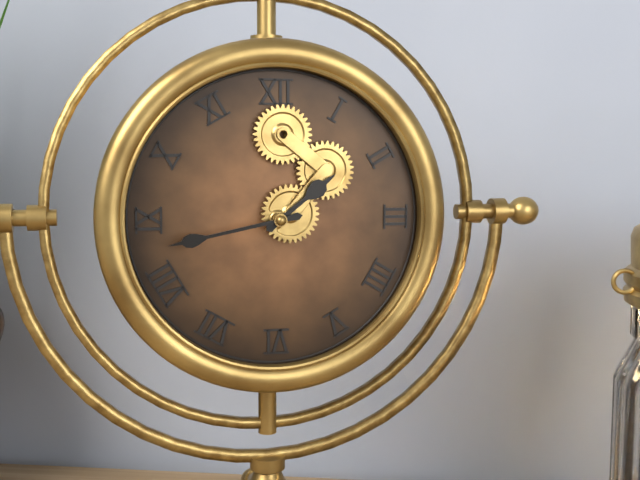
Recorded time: 1.43
